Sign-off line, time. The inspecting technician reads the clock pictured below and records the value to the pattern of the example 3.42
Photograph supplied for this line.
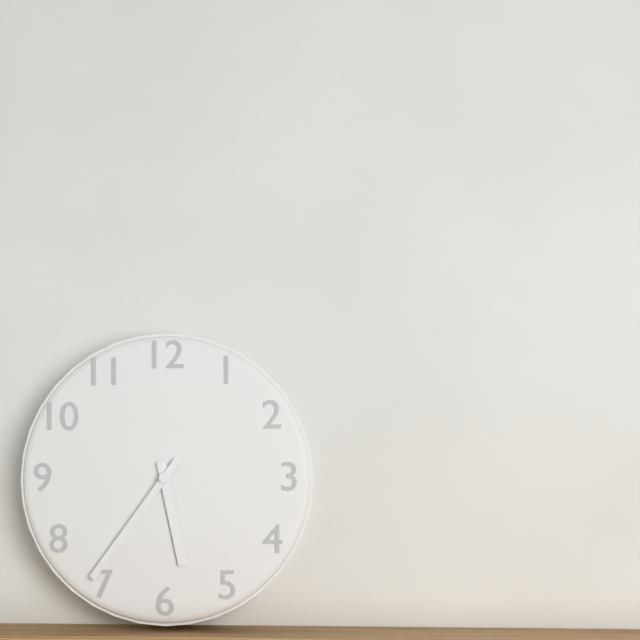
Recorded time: 5.36
